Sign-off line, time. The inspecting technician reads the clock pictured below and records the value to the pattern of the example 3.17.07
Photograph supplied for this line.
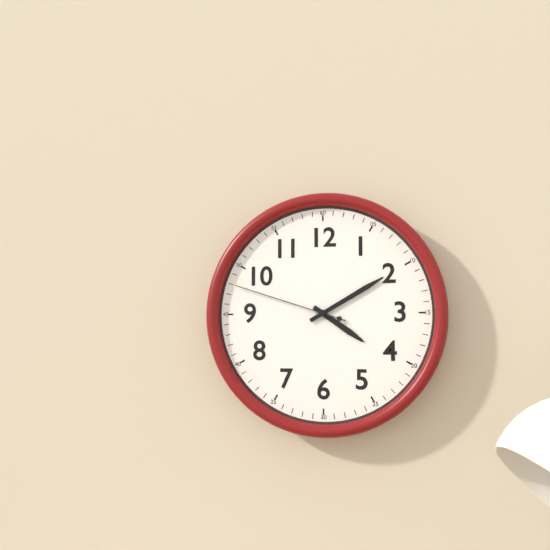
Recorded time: 4.10.48
